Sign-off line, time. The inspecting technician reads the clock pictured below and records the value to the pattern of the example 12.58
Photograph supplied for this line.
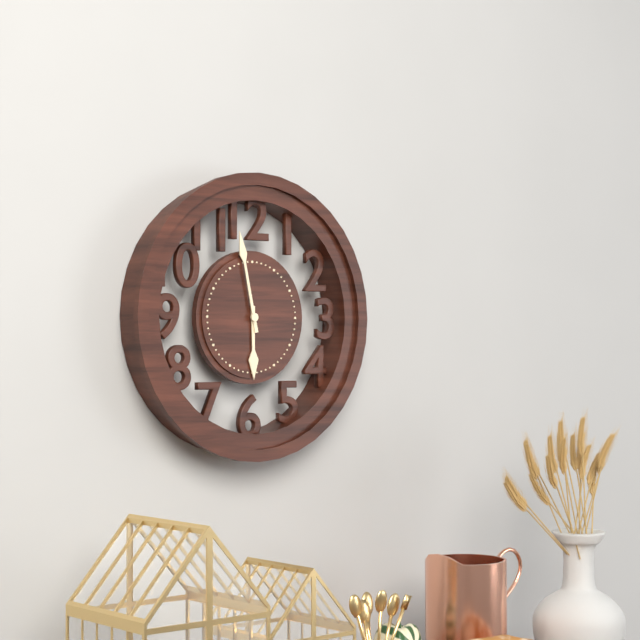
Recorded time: 5.58
